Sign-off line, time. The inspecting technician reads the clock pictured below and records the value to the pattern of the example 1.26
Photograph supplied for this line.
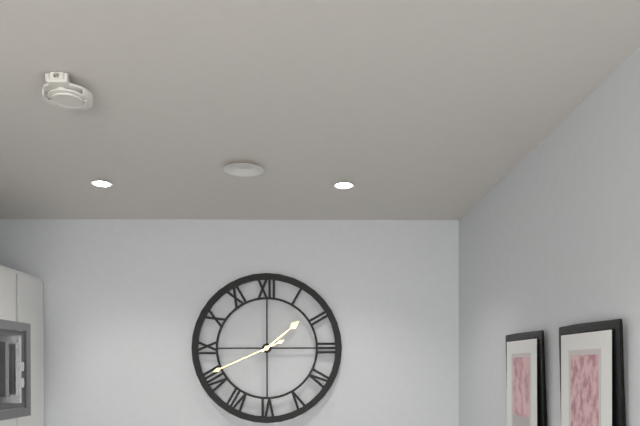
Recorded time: 1.41
